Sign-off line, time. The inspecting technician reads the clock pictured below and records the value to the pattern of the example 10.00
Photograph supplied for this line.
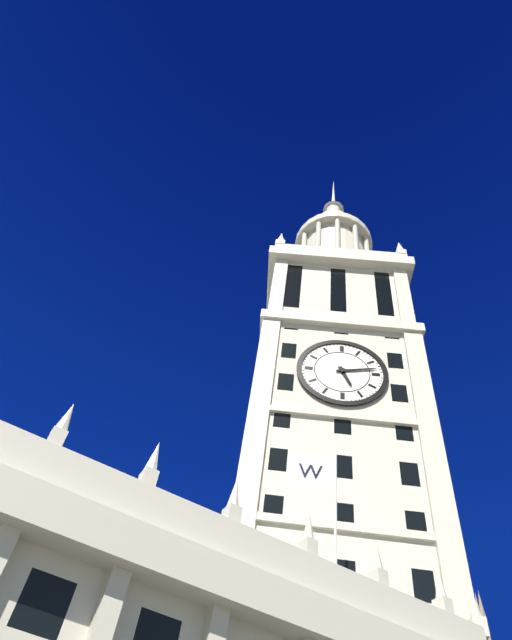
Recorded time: 5.13
